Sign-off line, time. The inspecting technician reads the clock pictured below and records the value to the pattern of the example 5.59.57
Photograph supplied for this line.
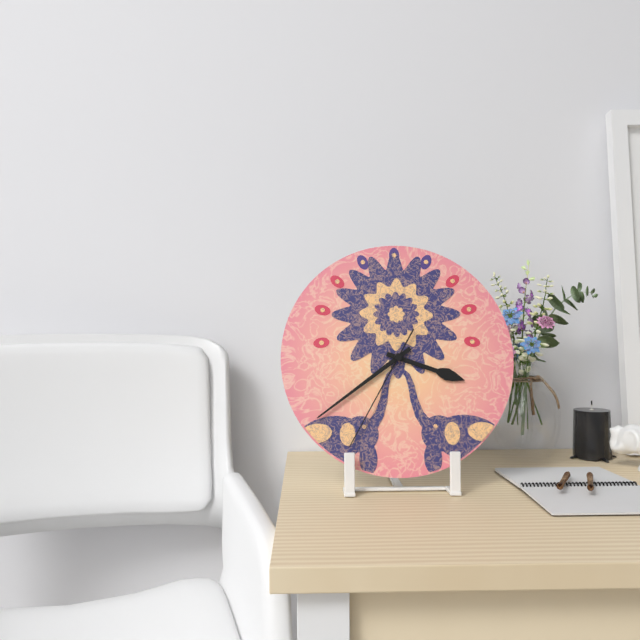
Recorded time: 3.39.35
